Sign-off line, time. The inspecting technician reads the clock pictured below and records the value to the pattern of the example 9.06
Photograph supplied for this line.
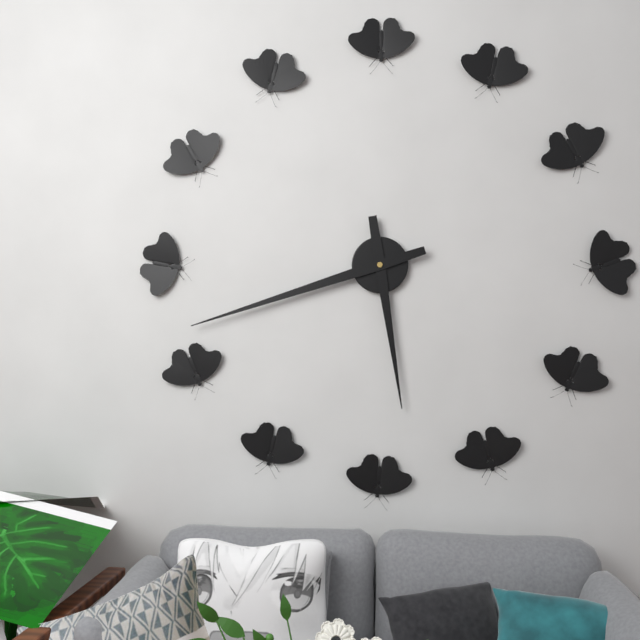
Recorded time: 5.42
